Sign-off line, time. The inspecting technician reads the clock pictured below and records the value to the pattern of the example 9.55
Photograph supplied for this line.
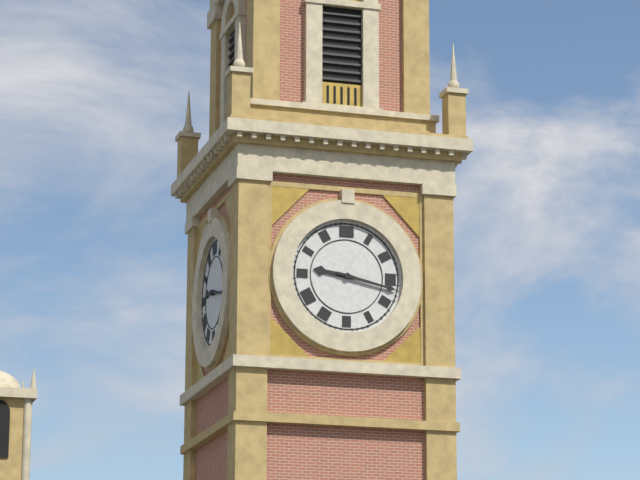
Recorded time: 9.17
